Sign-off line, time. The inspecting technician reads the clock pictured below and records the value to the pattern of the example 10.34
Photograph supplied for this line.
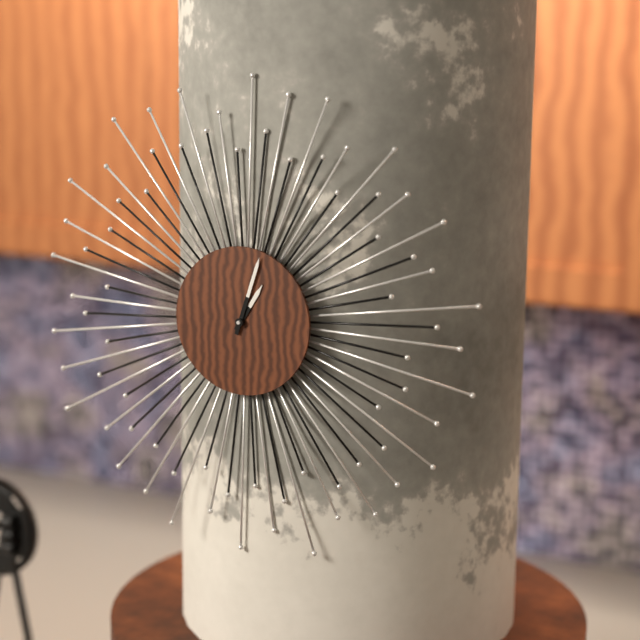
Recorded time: 1.03
